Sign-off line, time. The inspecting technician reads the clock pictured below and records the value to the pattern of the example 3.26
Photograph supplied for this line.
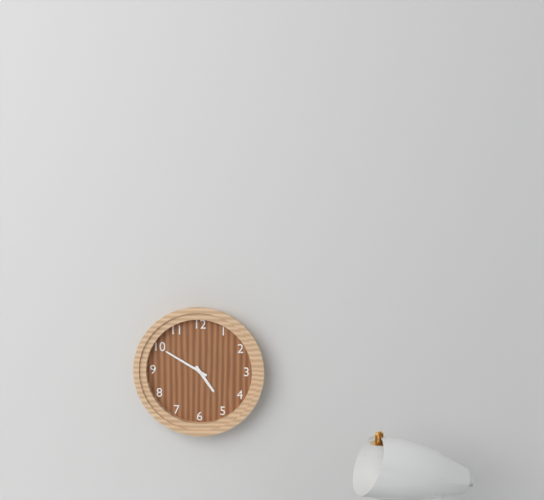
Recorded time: 4.50
